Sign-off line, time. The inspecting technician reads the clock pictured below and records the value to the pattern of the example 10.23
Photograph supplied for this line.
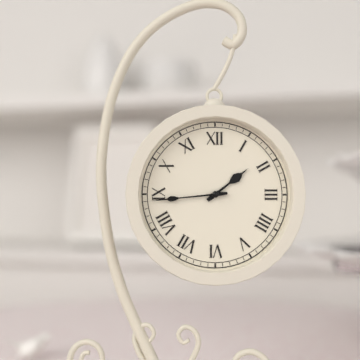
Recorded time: 1.44
